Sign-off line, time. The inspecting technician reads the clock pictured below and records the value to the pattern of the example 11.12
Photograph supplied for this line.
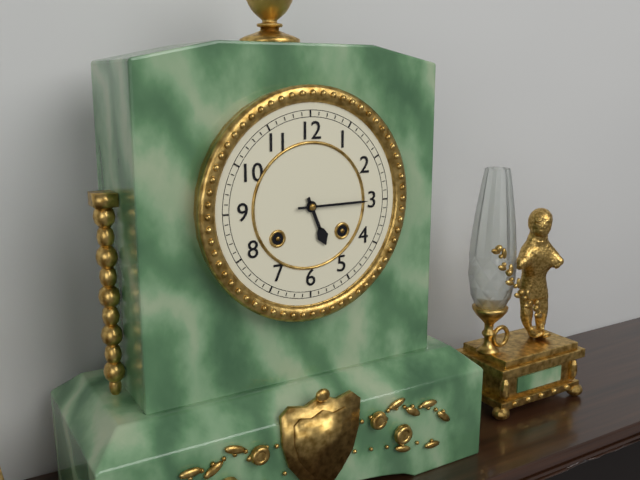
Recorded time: 5.15
